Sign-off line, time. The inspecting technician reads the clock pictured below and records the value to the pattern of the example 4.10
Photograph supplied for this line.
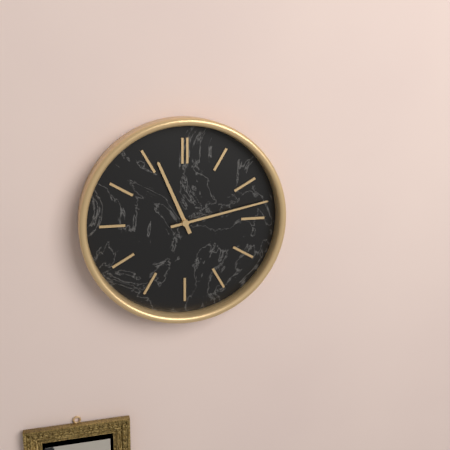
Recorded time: 11.13
